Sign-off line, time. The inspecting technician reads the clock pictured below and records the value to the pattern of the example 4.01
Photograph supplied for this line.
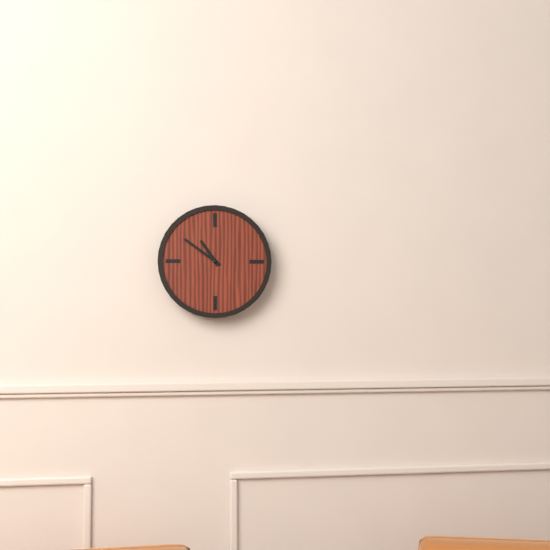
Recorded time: 10.51
